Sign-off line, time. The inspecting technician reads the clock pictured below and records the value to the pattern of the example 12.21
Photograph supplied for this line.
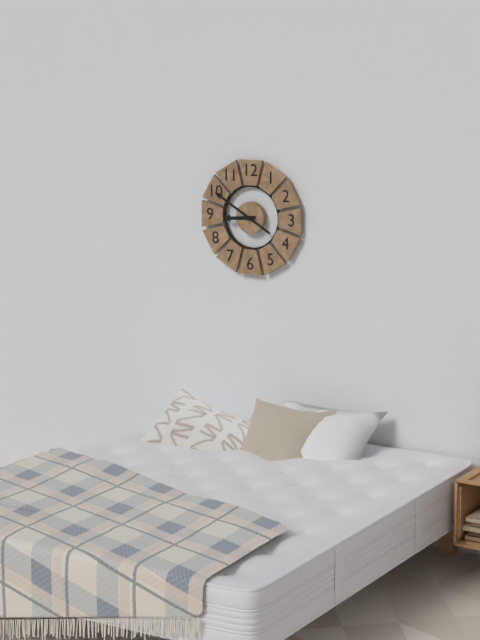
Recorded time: 8.50
